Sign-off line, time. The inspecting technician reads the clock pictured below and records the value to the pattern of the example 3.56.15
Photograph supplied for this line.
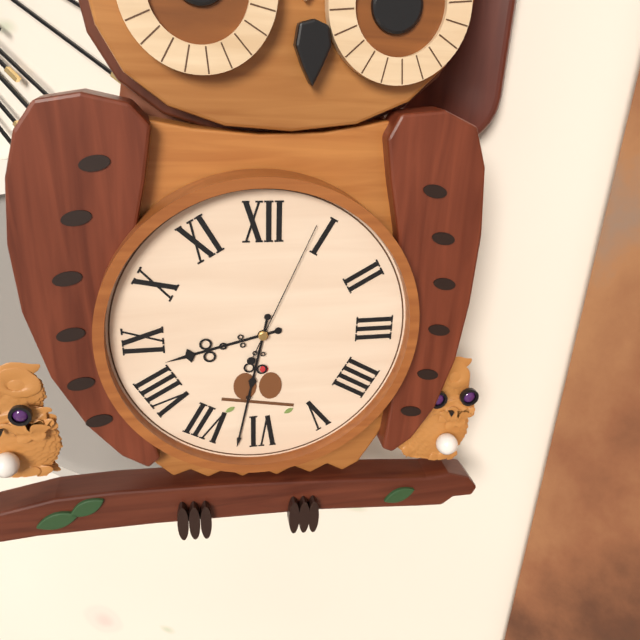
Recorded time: 8.32.04
